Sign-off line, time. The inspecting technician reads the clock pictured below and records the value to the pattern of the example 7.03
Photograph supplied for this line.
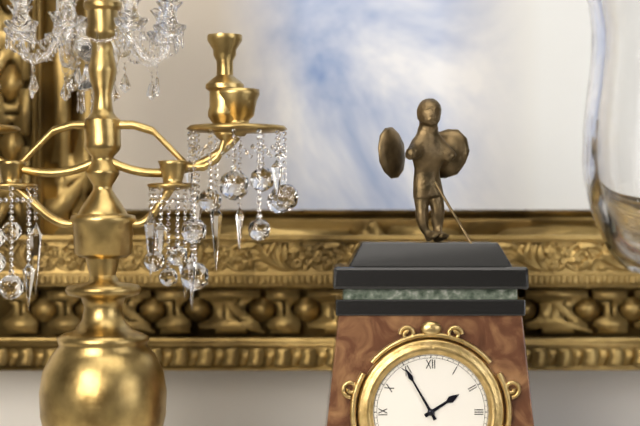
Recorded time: 1.55
